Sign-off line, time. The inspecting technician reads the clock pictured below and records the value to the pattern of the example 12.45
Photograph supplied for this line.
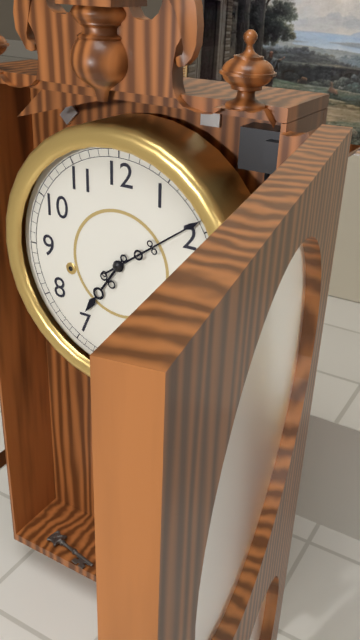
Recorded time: 7.09
